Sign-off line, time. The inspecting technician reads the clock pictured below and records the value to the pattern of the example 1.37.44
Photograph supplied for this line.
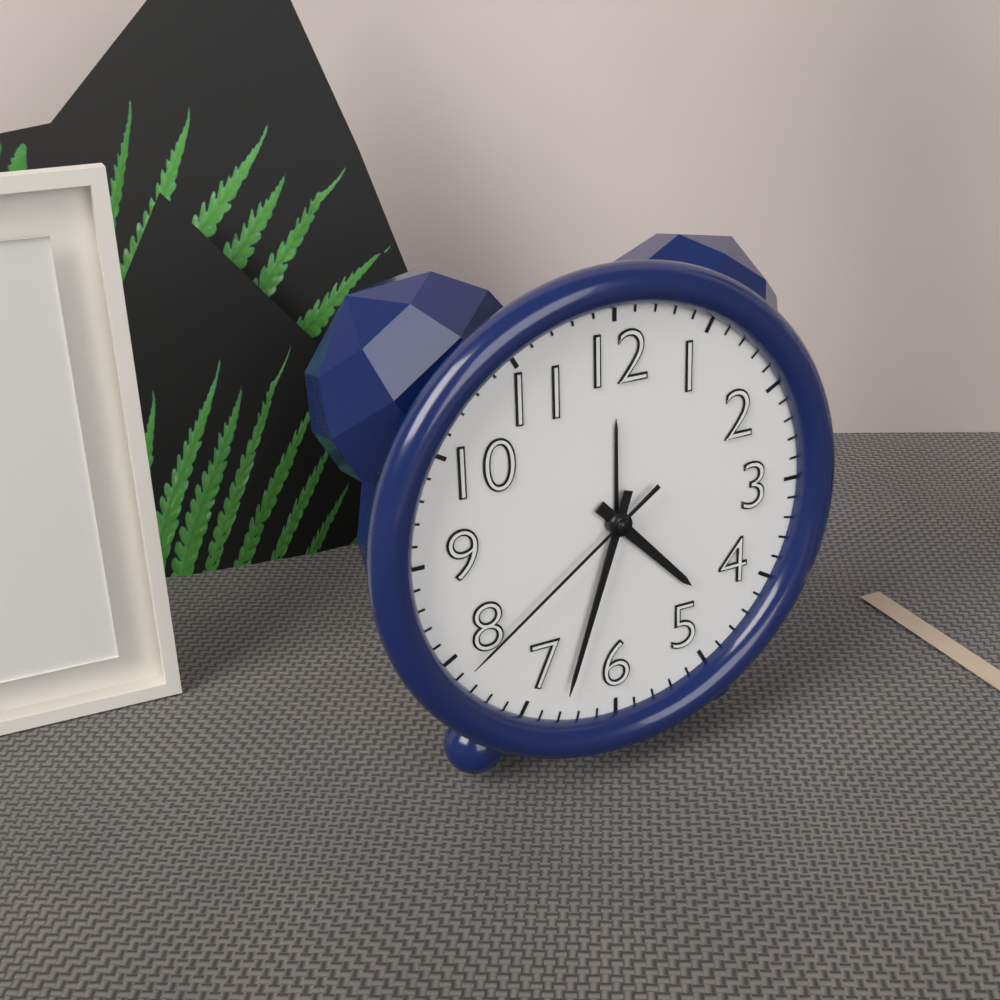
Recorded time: 4.33.39
